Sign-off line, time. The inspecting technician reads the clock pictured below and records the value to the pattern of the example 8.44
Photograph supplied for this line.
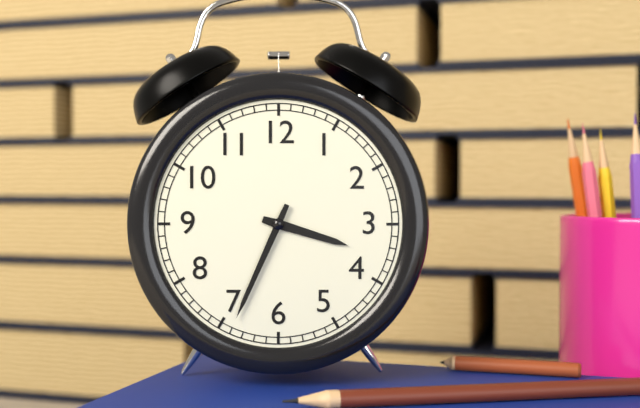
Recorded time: 3.34
